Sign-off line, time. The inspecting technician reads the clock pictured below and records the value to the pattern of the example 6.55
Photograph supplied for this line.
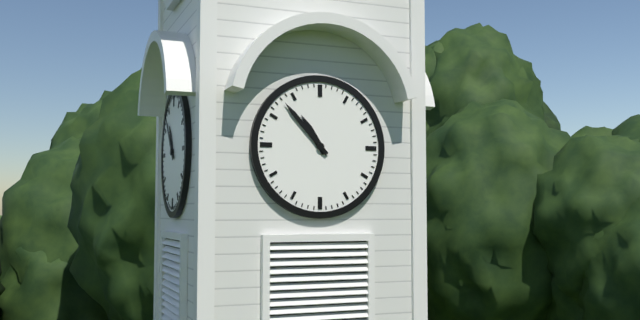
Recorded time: 10.53
